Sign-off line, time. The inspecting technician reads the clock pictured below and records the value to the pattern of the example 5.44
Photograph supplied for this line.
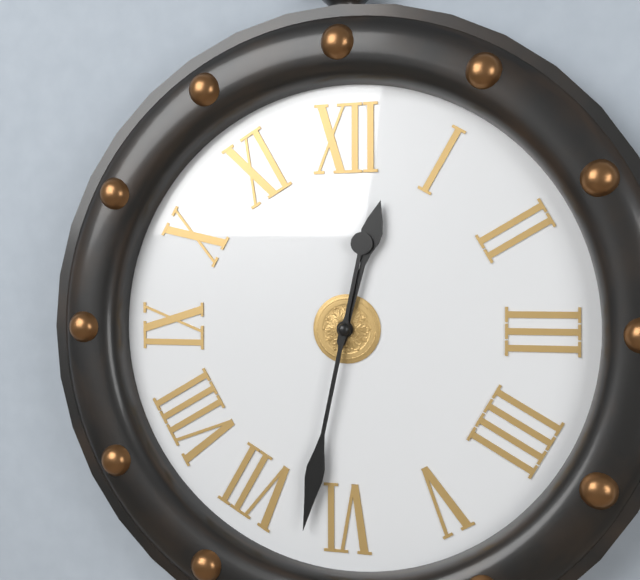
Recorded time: 12.32
